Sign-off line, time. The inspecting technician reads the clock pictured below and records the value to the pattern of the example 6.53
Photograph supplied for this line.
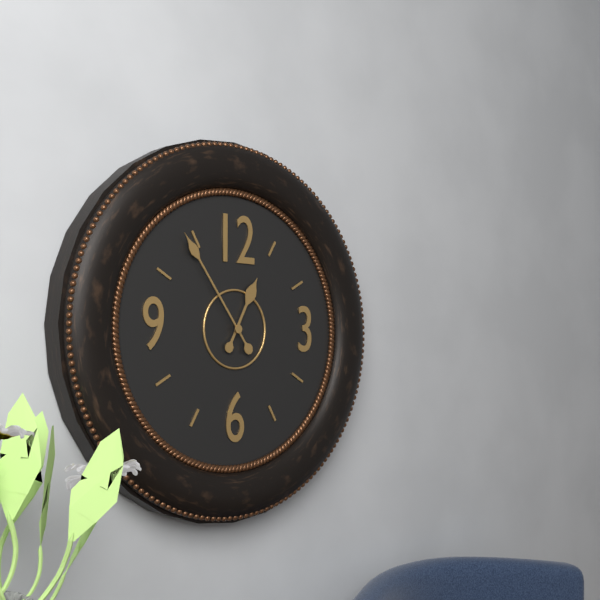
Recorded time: 12.54
